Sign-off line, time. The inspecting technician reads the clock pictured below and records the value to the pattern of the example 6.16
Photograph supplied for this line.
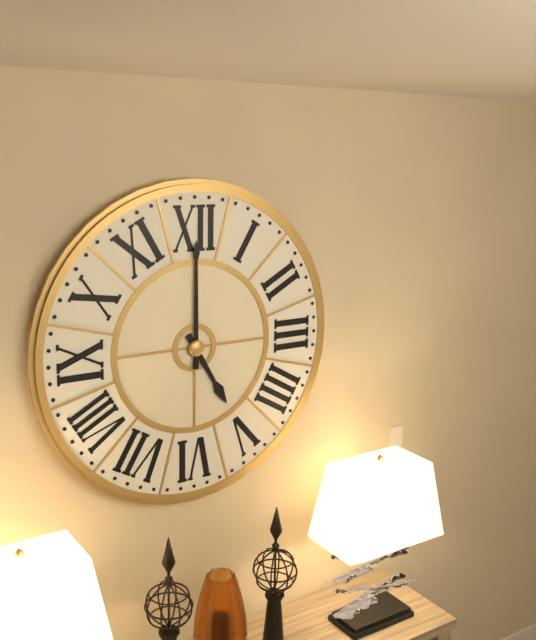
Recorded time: 5.00
